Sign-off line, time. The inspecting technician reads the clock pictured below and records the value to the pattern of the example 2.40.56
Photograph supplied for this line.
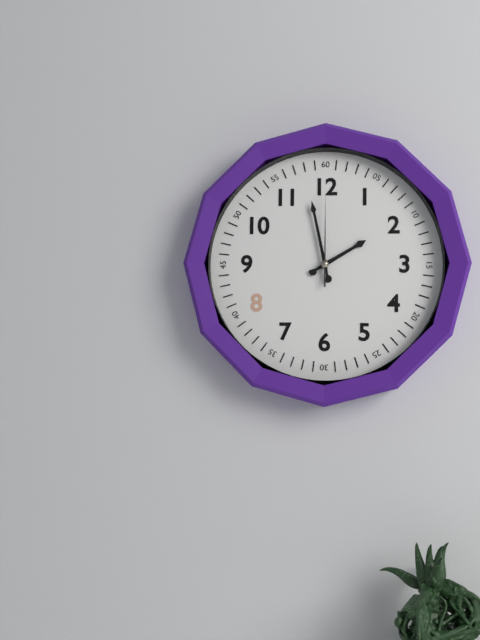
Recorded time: 1.58.00
